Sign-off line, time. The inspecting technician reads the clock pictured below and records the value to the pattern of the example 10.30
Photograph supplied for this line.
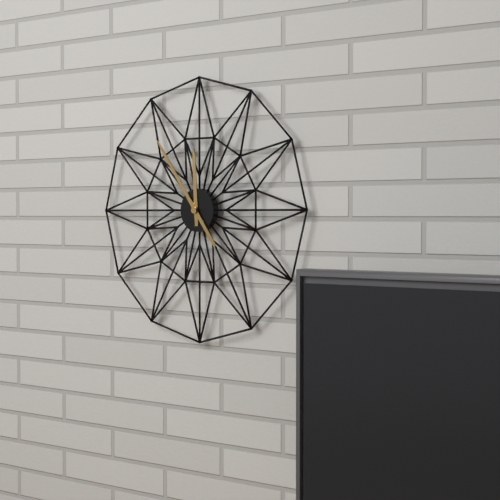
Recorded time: 11.54
